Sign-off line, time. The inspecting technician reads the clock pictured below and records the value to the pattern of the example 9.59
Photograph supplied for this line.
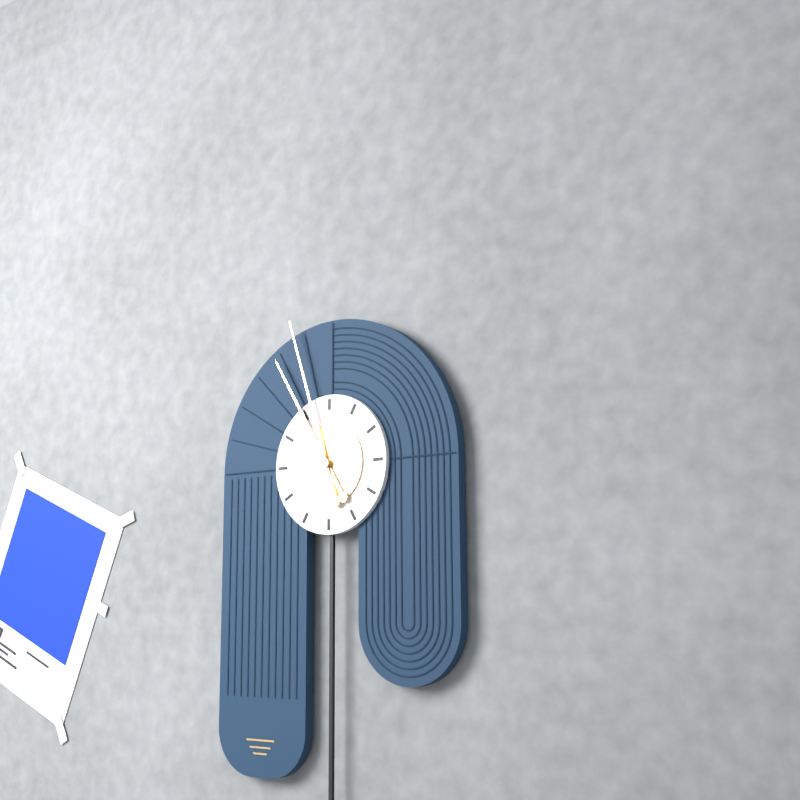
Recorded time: 10.57
